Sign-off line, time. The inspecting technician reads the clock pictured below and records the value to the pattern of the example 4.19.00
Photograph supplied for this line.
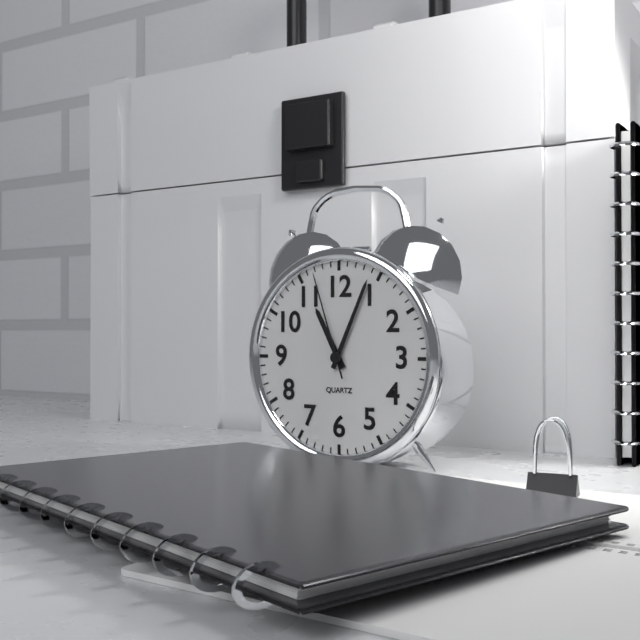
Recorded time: 11.04.57
